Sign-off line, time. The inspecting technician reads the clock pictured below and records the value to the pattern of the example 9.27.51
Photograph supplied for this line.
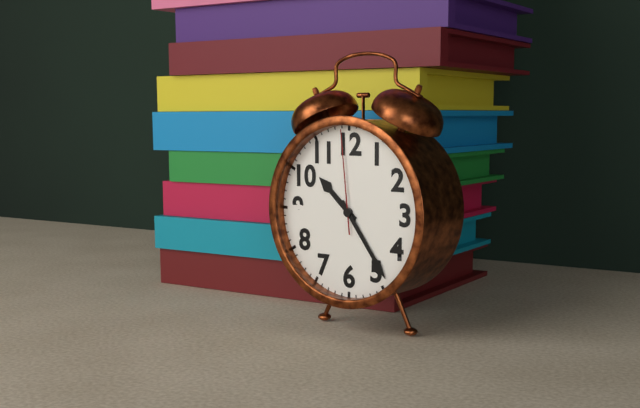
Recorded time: 10.24.59
